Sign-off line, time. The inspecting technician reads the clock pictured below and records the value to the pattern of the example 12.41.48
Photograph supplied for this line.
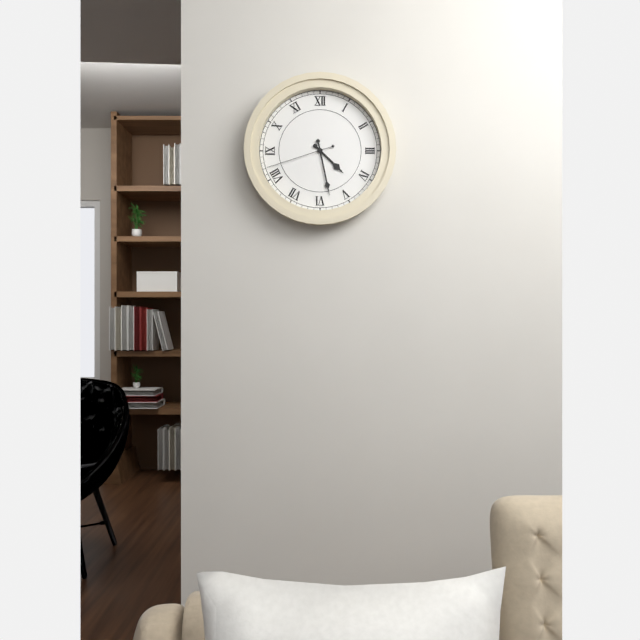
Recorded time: 4.28.42
